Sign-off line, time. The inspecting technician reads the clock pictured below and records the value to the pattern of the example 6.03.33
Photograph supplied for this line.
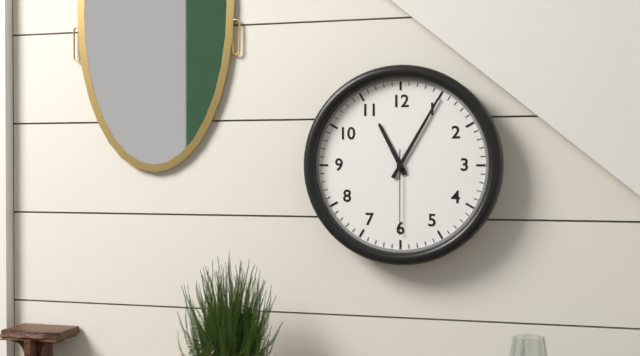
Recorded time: 11.05.30
